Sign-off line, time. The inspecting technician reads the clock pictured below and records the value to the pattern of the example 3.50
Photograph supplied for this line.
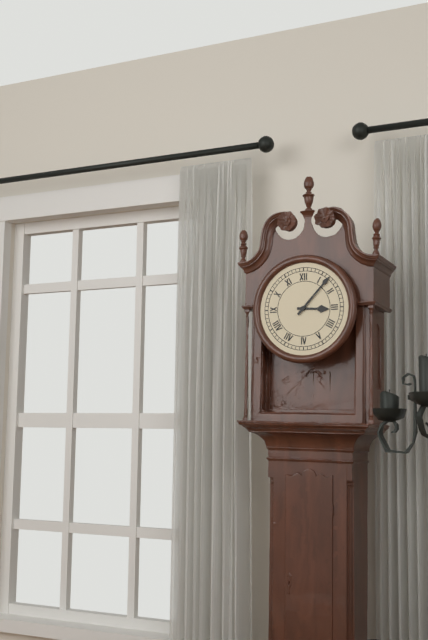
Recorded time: 3.07
